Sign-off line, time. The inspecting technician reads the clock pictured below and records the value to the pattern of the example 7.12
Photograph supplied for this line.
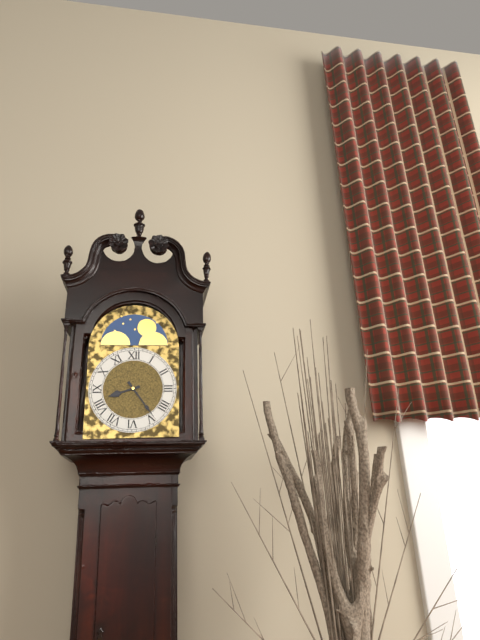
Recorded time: 8.24
